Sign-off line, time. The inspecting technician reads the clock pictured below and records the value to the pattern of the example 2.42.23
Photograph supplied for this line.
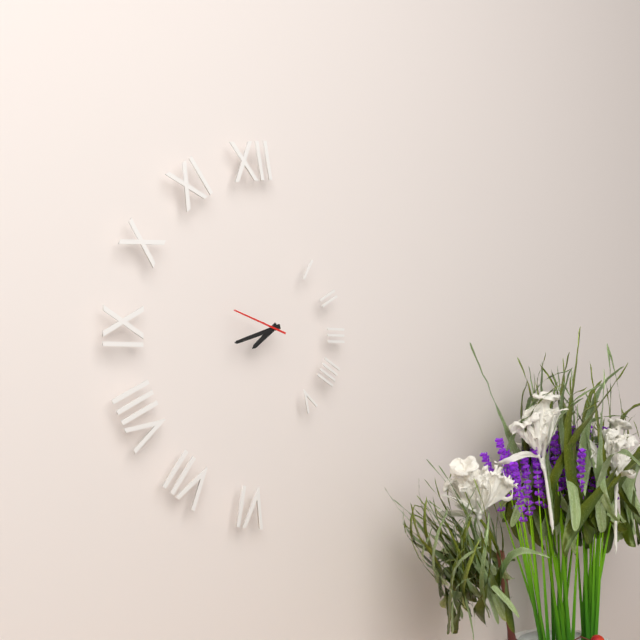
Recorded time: 7.42.48
